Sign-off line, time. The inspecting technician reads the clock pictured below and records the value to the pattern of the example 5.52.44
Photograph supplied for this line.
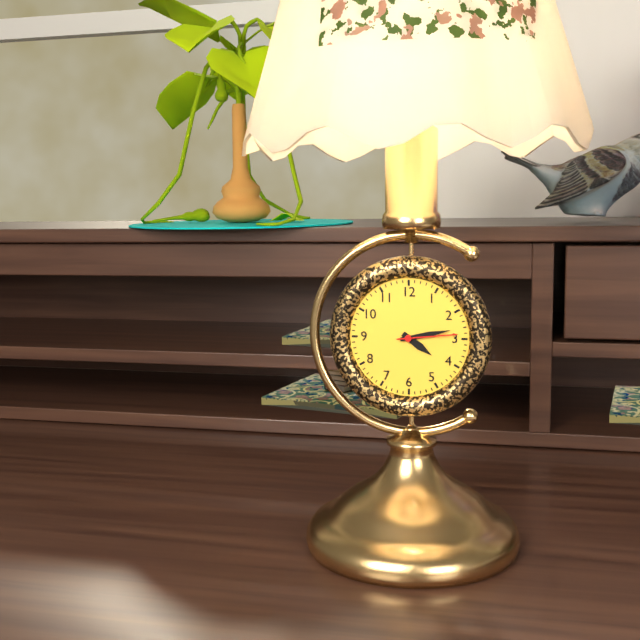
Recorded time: 4.13.14
